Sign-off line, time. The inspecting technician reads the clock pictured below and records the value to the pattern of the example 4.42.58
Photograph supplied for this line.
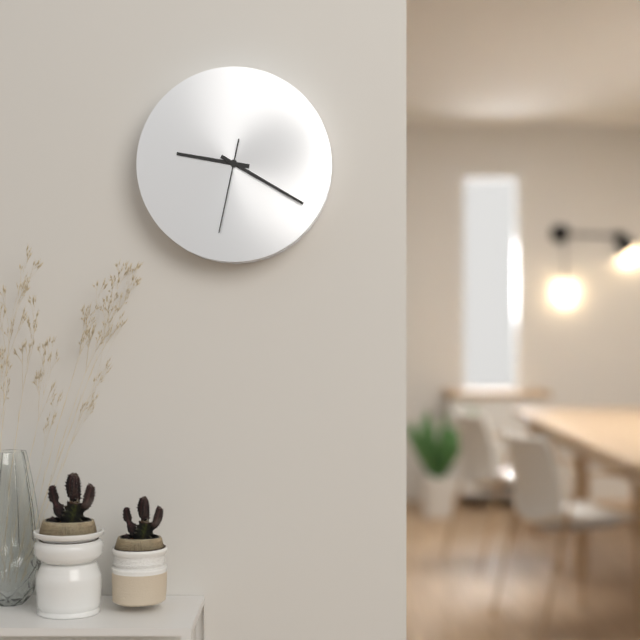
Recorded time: 9.20.32
